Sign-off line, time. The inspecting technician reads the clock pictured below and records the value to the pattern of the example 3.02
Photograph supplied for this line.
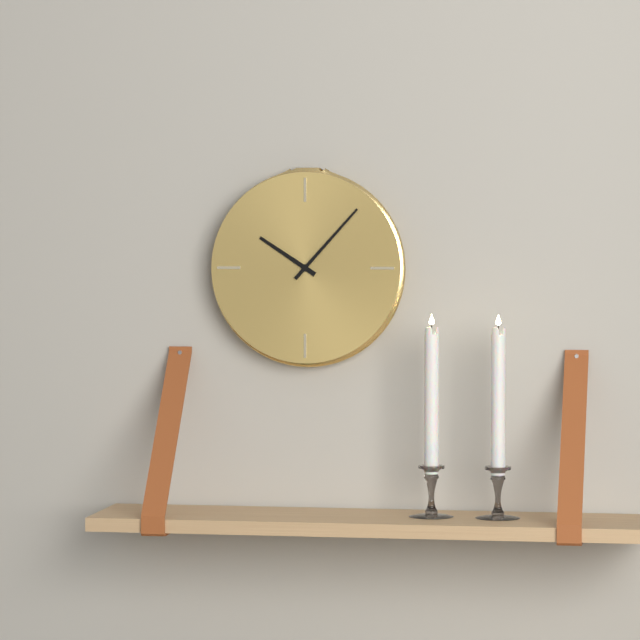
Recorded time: 10.07
